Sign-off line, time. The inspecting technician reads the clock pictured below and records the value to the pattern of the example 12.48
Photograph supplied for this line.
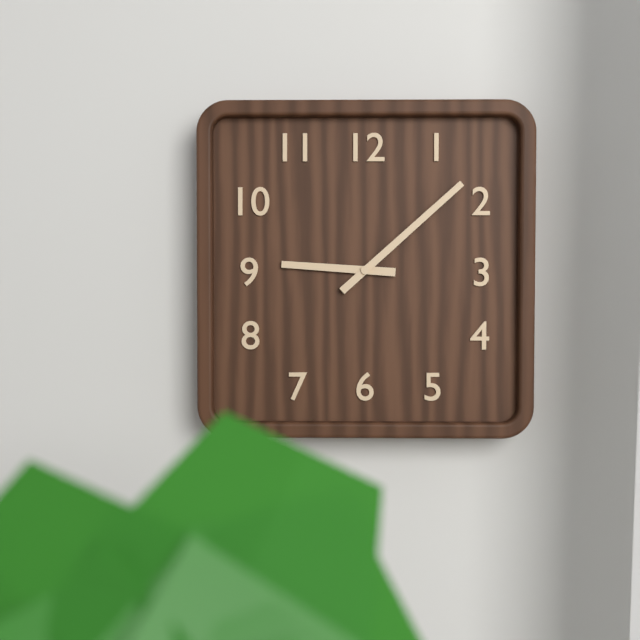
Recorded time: 9.08
